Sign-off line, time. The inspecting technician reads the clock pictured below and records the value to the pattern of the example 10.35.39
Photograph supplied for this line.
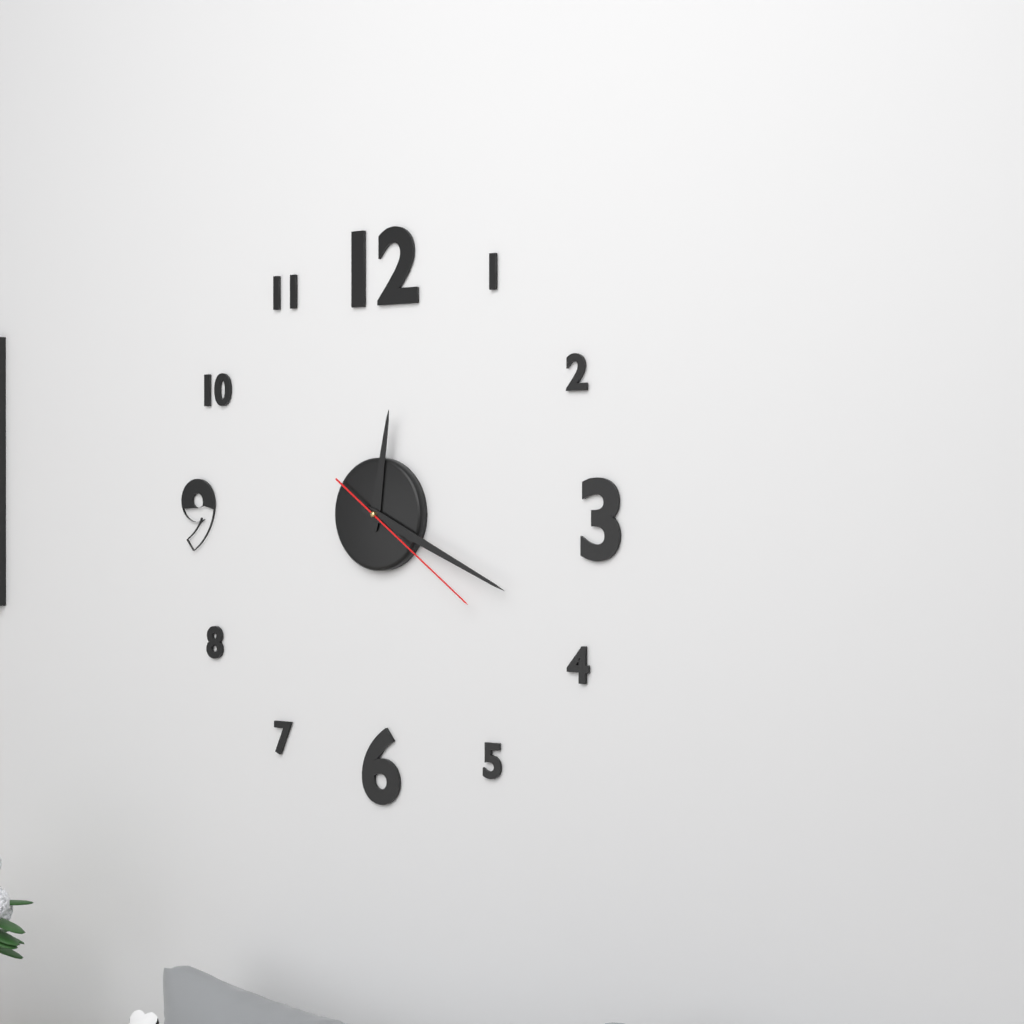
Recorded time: 12.19.21
